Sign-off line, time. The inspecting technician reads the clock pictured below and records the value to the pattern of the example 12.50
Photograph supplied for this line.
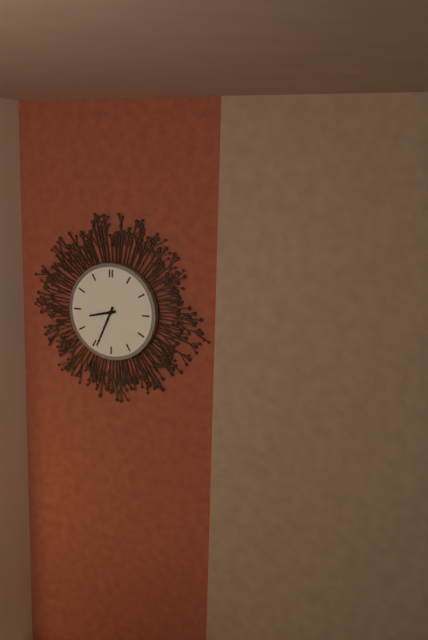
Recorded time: 8.34
